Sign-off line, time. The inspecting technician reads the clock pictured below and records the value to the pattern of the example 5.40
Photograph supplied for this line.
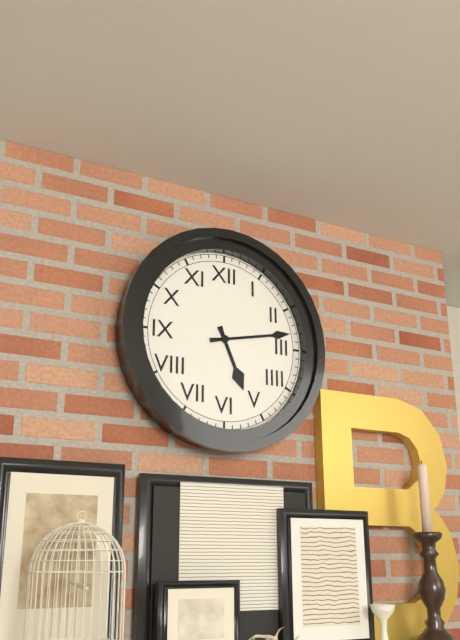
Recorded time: 5.13
